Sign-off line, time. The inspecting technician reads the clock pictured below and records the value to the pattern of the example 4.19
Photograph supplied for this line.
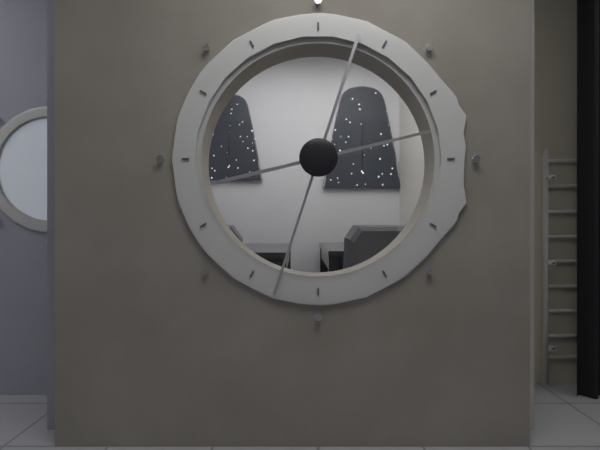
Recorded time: 2.33
